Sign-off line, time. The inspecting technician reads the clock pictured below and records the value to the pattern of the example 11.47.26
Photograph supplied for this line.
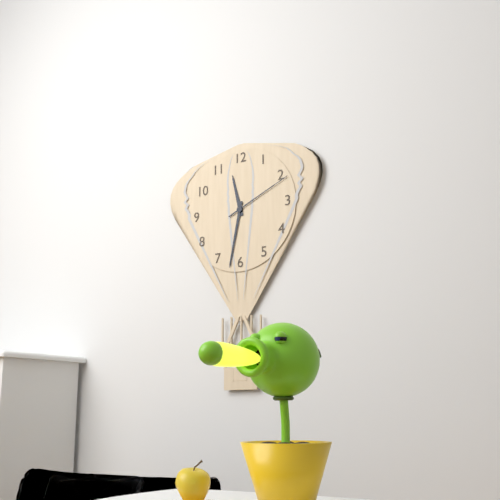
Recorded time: 11.32.11
